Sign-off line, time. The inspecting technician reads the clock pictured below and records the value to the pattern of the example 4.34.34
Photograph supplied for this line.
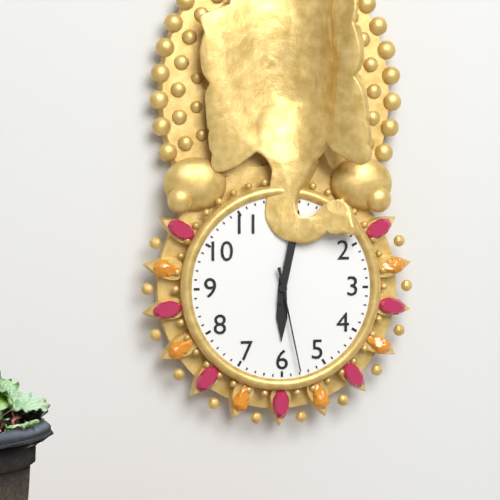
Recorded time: 6.02.28
